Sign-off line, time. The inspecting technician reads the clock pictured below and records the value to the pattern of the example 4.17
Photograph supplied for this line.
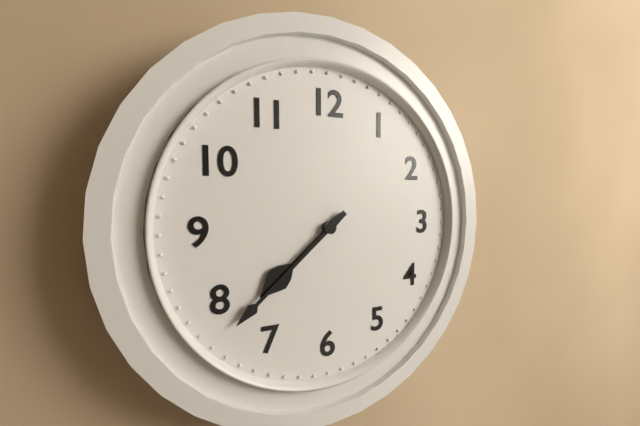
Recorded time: 7.38
